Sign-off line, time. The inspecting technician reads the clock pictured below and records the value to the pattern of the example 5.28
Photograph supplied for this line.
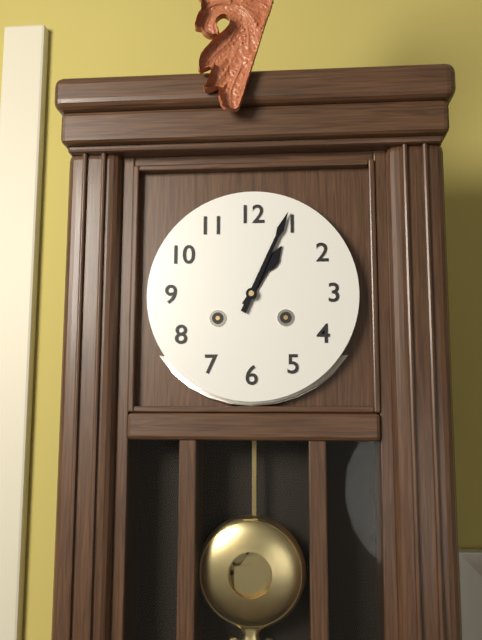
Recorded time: 1.04
